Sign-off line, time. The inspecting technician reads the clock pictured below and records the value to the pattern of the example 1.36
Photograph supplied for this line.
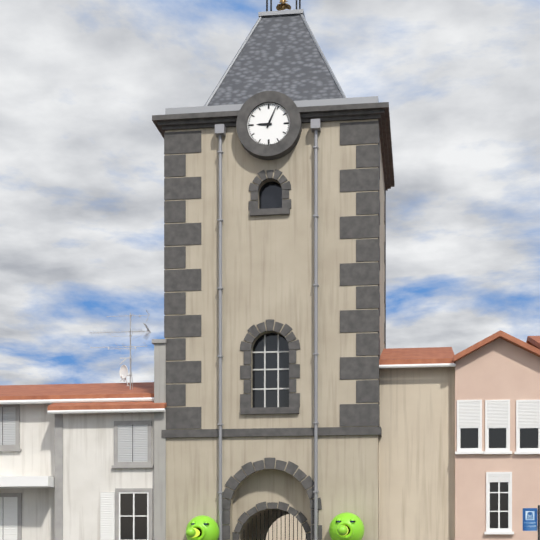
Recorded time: 9.04
